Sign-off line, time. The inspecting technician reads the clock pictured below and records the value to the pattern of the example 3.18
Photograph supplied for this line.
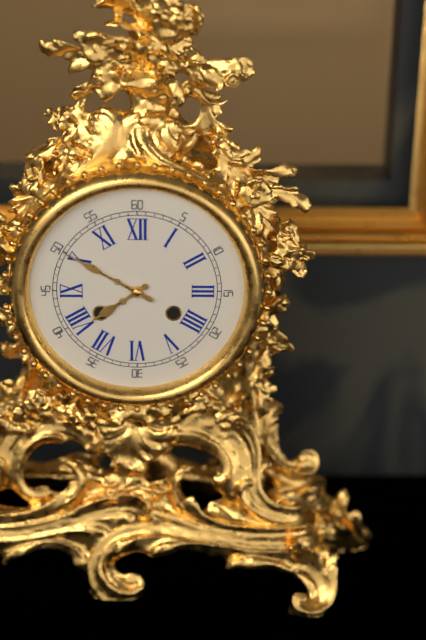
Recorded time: 7.50
